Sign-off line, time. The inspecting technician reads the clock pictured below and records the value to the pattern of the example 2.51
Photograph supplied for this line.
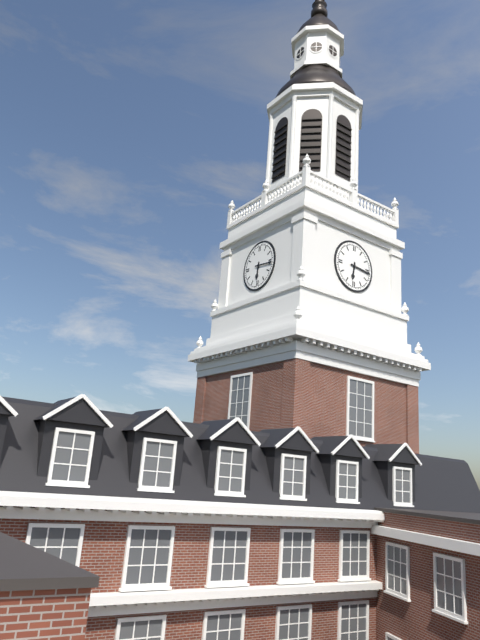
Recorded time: 6.16
